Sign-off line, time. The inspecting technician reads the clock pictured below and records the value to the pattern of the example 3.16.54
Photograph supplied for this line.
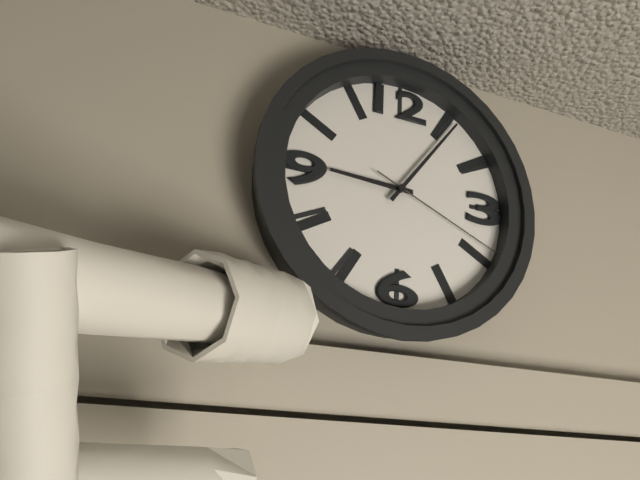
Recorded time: 9.06.19
